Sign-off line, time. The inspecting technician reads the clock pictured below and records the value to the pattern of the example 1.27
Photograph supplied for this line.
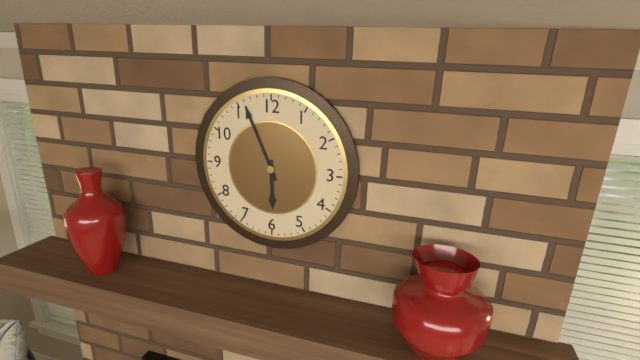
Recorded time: 5.56
